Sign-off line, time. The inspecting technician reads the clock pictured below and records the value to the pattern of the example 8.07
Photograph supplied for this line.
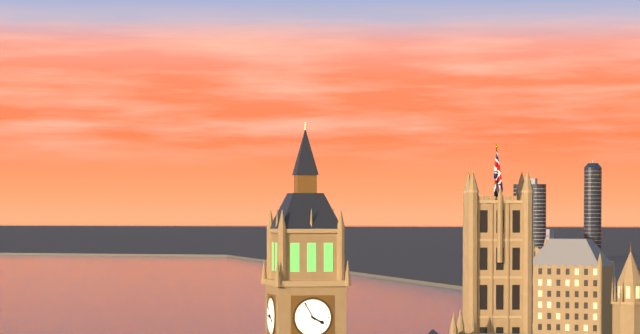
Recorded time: 3.55
